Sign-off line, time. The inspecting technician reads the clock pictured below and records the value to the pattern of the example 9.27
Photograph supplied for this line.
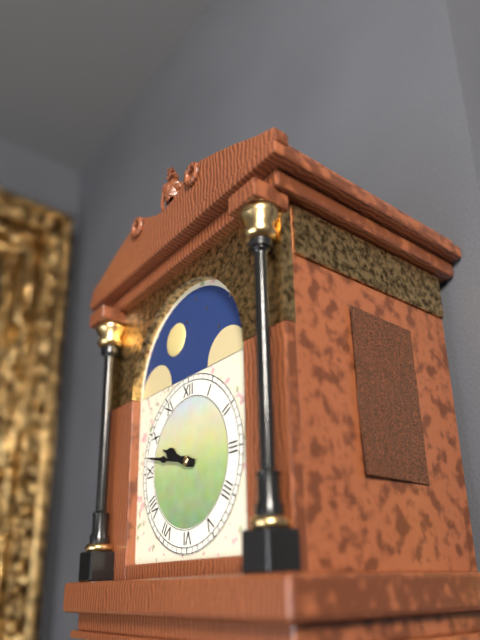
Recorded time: 9.47
